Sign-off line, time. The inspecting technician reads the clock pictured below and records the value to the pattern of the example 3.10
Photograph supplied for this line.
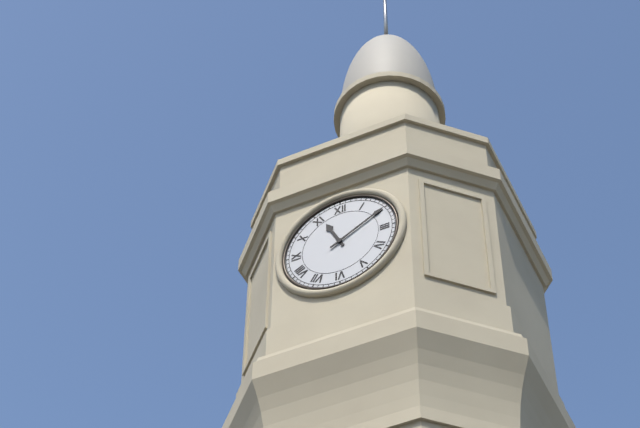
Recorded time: 11.10
